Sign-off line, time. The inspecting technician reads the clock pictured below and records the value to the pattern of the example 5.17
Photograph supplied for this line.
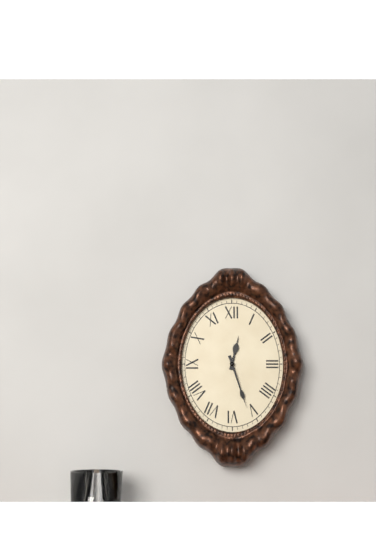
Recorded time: 12.27
